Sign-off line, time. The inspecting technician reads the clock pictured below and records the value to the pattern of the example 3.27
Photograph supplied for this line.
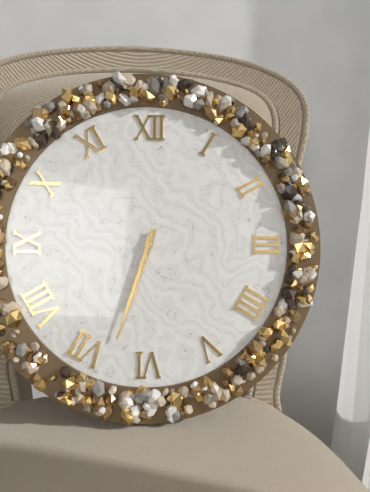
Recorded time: 6.33
